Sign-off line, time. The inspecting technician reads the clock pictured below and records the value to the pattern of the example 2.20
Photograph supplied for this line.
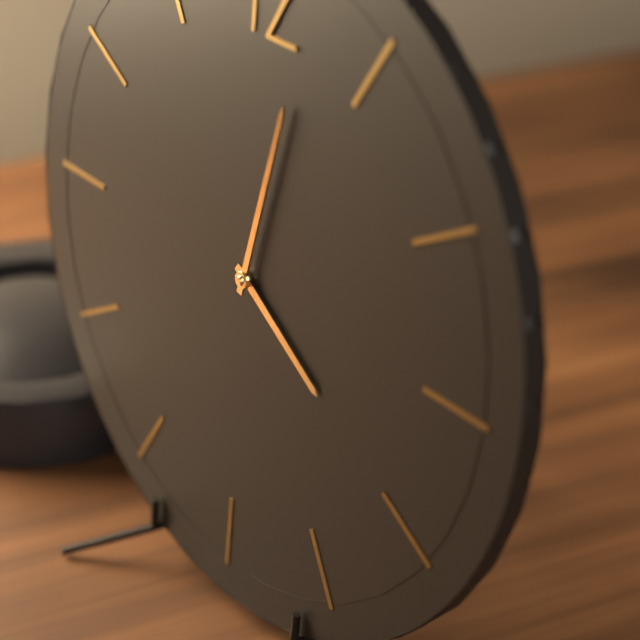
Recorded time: 4.02
